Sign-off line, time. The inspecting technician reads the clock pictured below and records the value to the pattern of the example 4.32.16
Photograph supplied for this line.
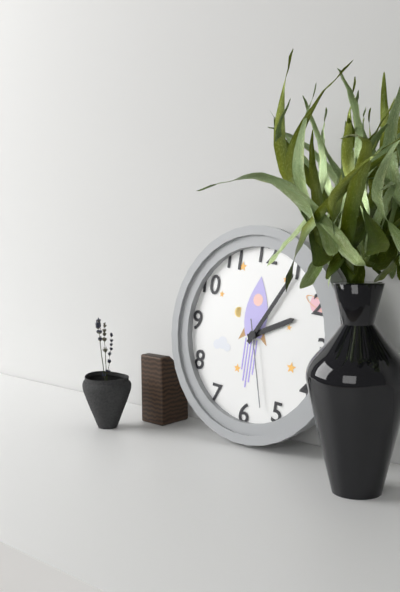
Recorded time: 2.05.27
